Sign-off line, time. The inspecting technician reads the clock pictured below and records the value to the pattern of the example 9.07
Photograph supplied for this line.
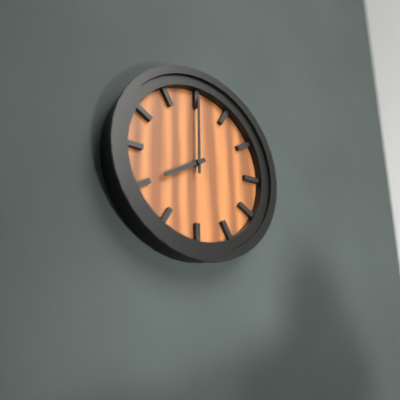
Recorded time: 8.00
